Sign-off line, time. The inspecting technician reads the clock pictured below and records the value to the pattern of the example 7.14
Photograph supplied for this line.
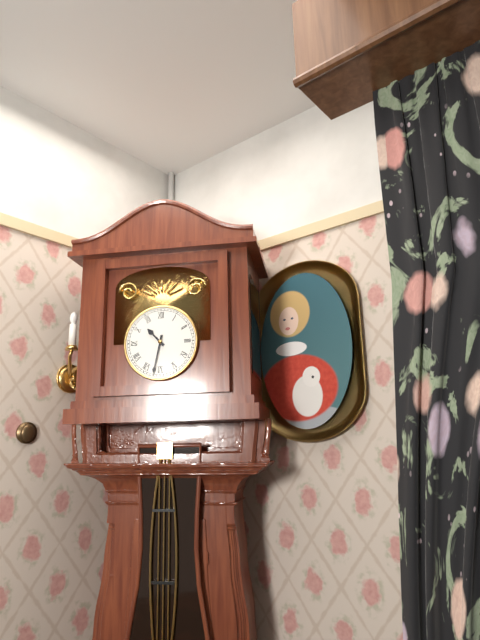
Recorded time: 10.32
